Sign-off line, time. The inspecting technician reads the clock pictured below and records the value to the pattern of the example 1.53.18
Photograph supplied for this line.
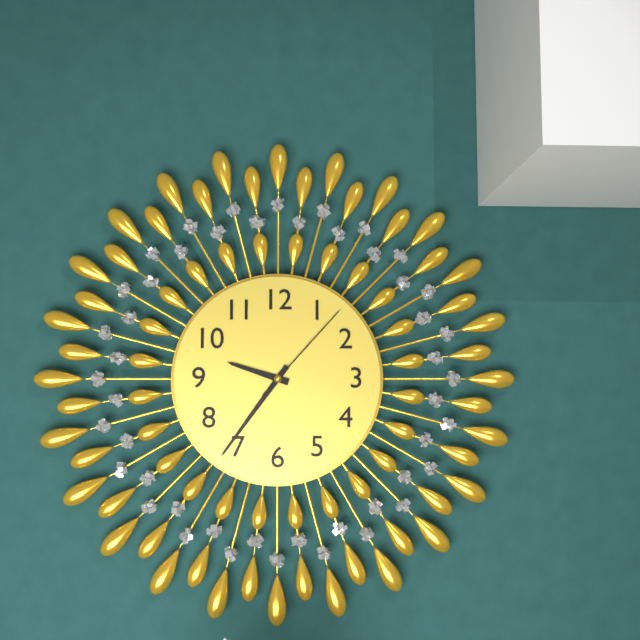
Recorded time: 9.36.07
